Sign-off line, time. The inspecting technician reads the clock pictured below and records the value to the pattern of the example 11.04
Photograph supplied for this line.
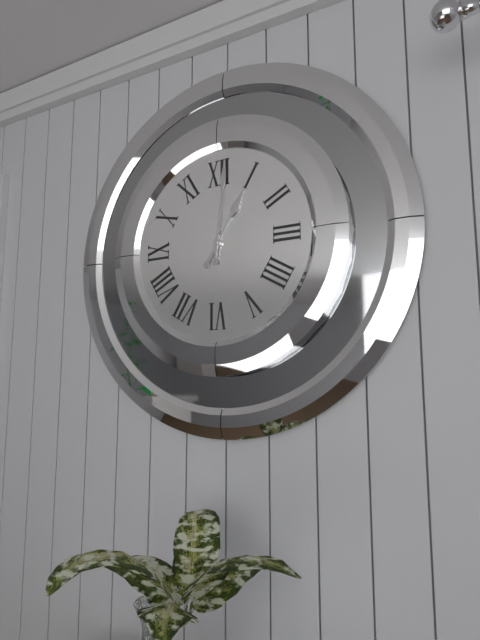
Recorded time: 1.01
